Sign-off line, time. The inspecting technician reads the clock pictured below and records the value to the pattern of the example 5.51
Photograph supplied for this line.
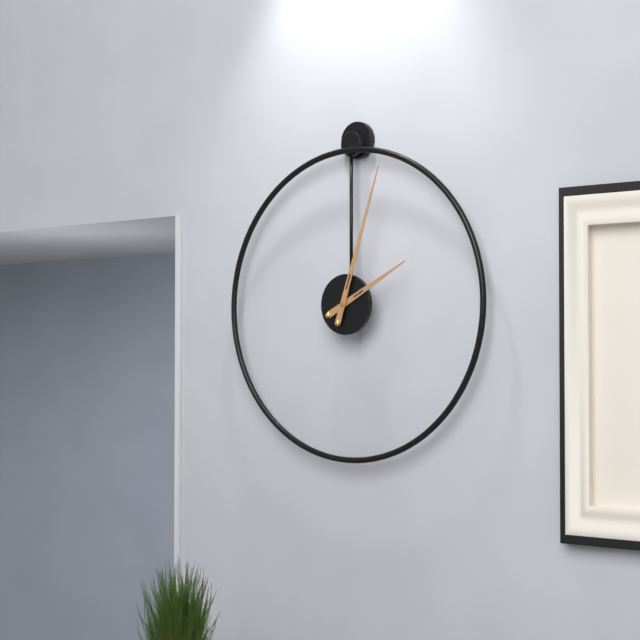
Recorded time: 2.03
